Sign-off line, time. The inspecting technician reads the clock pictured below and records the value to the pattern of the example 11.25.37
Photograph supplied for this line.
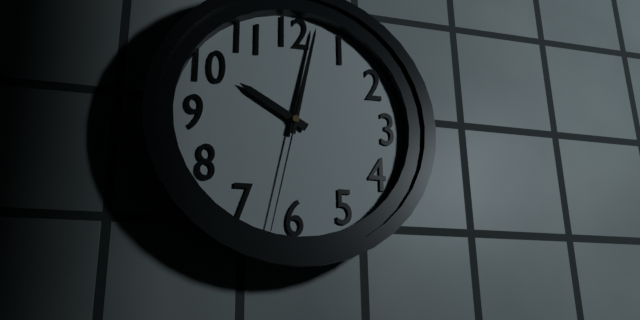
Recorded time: 10.02.32
